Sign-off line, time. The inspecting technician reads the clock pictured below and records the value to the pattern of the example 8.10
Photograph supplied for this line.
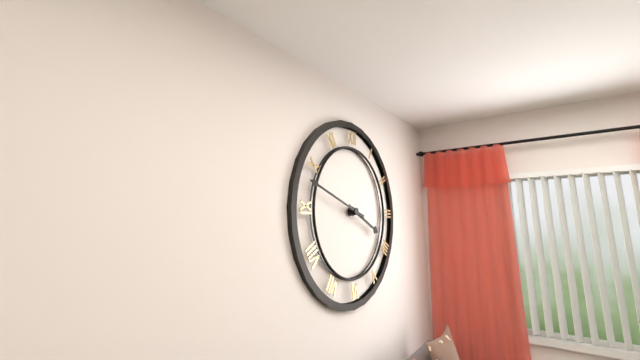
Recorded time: 3.48
